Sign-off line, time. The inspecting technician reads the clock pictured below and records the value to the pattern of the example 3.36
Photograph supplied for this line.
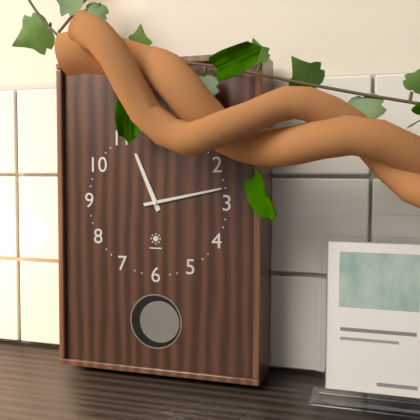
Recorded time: 11.13
